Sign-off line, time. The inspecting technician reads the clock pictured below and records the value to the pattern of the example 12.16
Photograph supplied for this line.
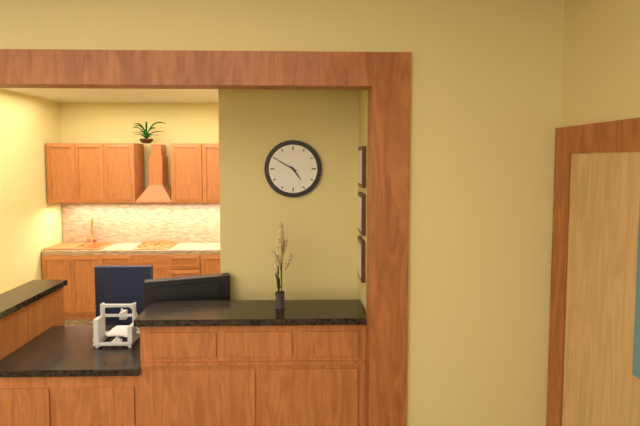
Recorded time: 4.50
